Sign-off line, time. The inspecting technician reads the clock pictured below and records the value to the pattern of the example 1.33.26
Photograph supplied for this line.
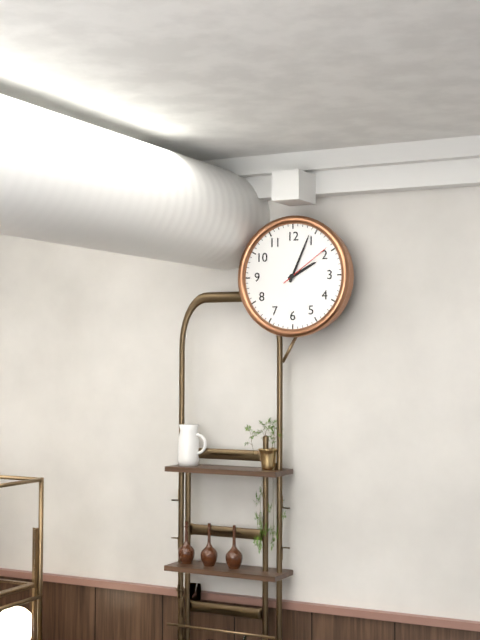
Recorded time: 2.04.09
